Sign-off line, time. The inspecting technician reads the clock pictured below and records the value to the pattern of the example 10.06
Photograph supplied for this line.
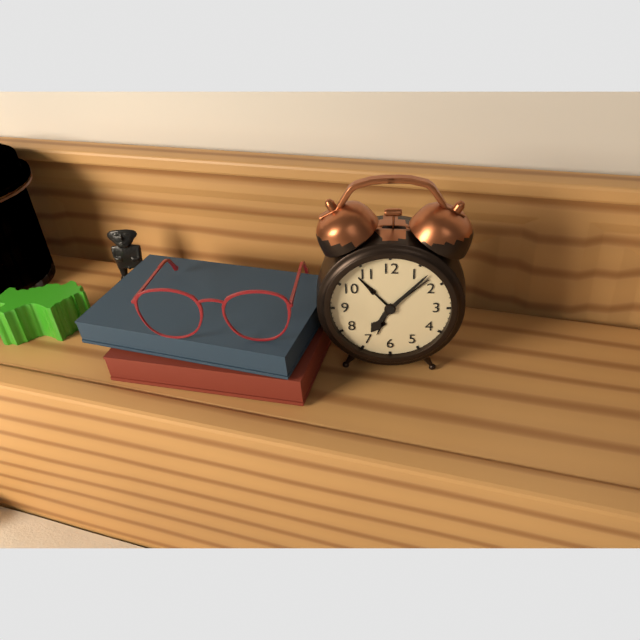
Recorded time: 7.07
